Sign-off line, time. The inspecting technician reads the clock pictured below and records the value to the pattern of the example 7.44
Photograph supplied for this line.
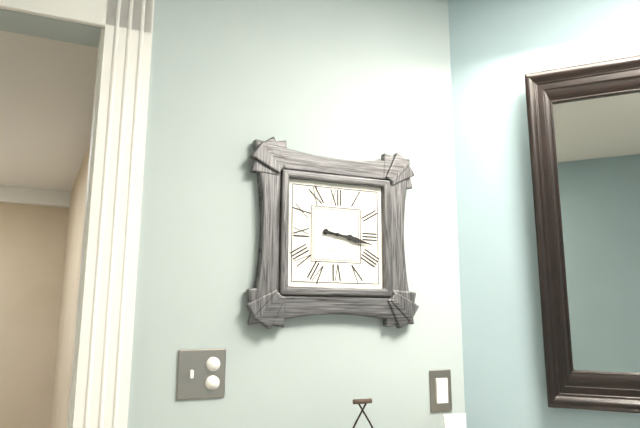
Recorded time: 3.17
